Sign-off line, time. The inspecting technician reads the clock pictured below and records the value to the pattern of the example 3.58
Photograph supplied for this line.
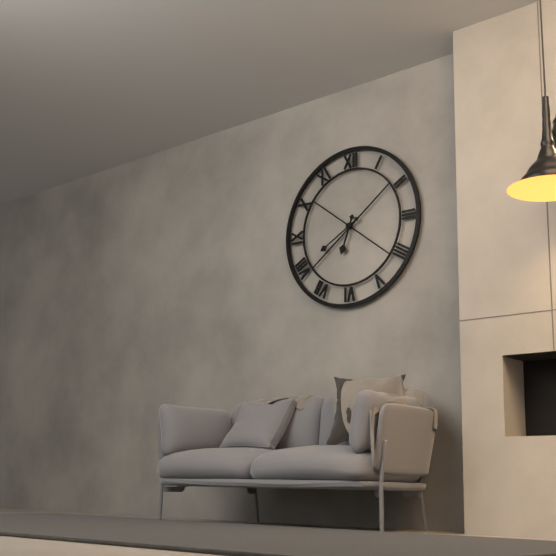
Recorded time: 6.40
